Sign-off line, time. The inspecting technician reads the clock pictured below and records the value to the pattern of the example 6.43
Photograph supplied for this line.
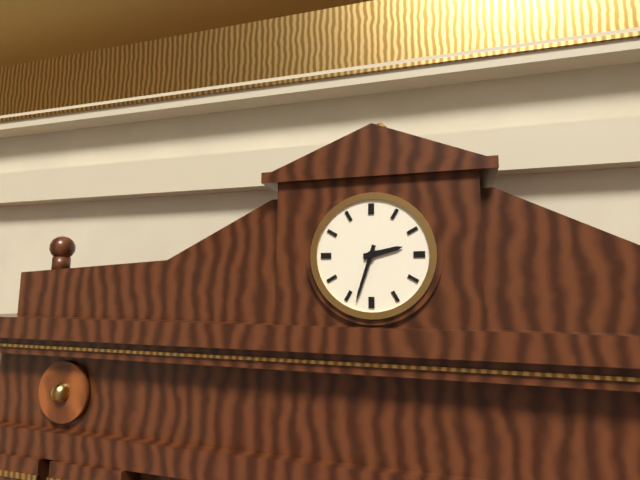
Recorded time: 2.33
